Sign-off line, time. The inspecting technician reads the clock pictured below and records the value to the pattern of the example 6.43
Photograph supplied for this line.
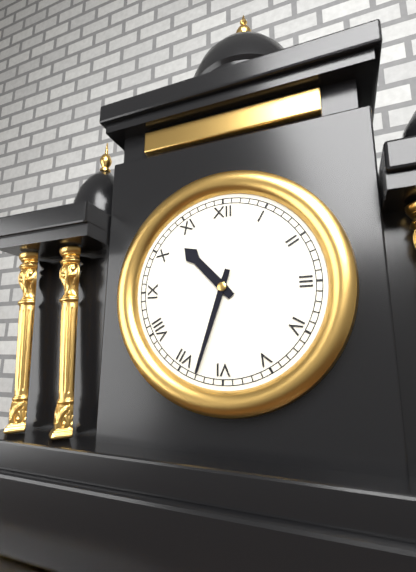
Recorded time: 10.33
